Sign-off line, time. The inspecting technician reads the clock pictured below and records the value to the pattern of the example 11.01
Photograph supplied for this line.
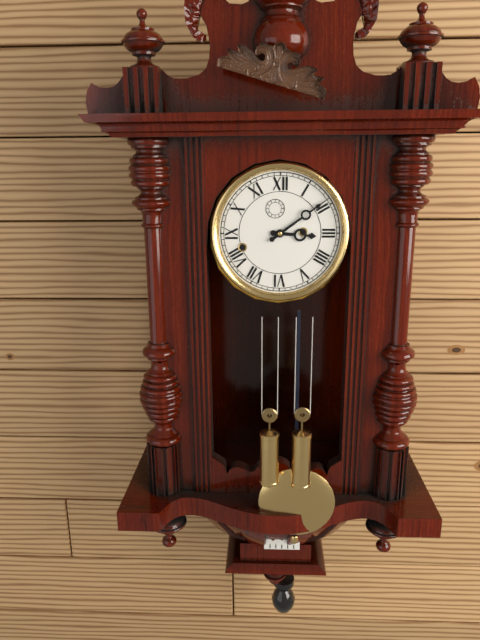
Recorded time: 3.09
